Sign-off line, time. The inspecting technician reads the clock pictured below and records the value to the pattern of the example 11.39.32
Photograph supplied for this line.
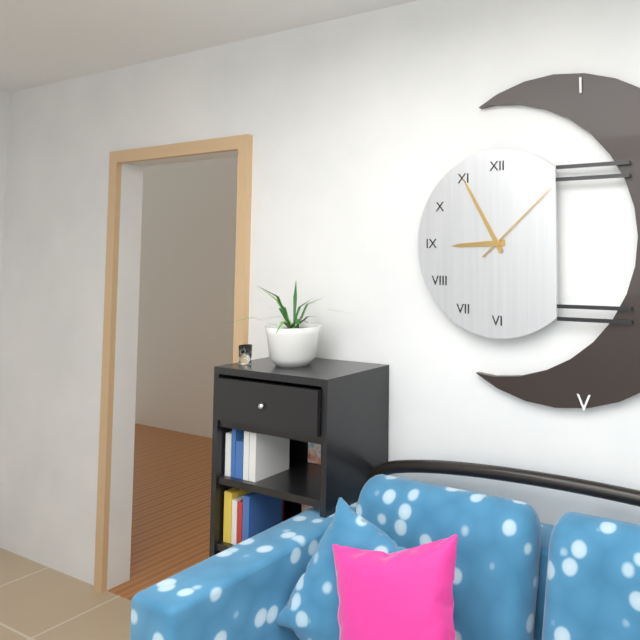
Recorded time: 8.55.08
